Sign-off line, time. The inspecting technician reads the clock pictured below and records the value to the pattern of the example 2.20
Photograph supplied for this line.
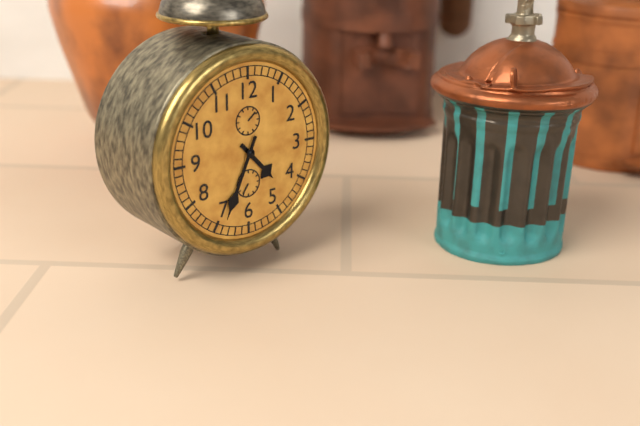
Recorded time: 4.34
